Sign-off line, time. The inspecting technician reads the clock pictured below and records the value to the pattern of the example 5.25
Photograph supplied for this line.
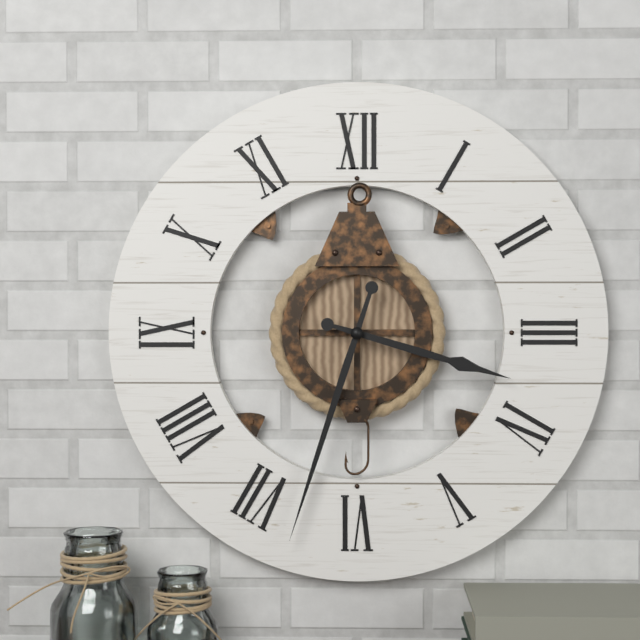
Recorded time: 3.33
